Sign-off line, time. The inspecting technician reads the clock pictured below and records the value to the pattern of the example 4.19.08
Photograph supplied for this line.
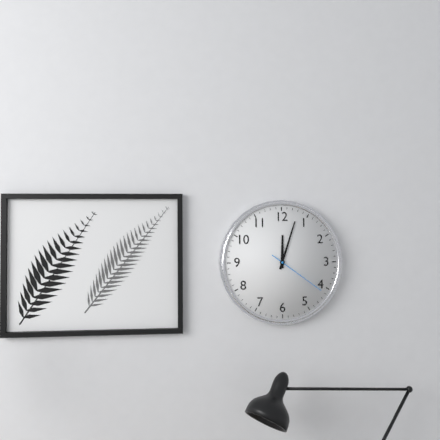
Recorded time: 12.03.21
